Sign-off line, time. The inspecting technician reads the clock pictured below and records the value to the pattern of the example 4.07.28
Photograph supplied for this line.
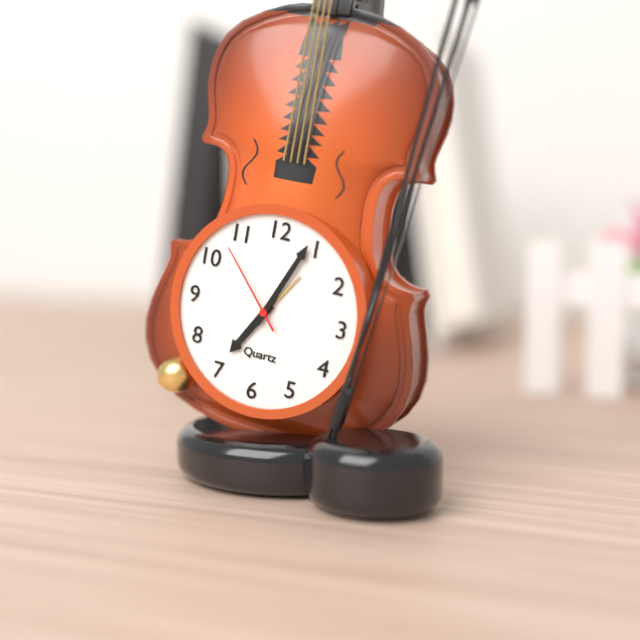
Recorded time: 7.04.53
